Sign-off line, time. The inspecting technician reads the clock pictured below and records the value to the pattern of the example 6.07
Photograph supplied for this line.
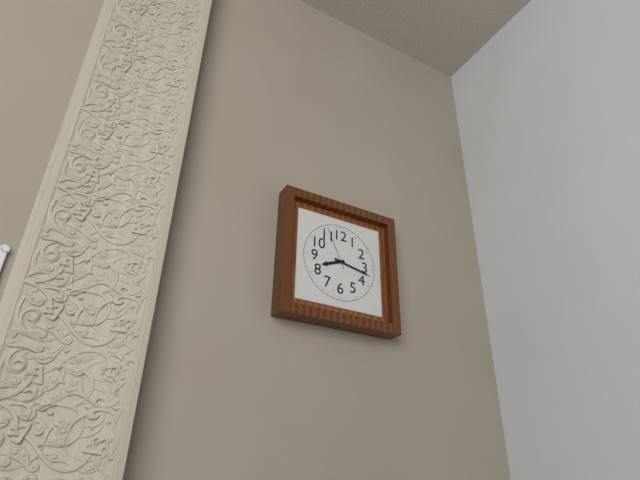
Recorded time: 8.17
